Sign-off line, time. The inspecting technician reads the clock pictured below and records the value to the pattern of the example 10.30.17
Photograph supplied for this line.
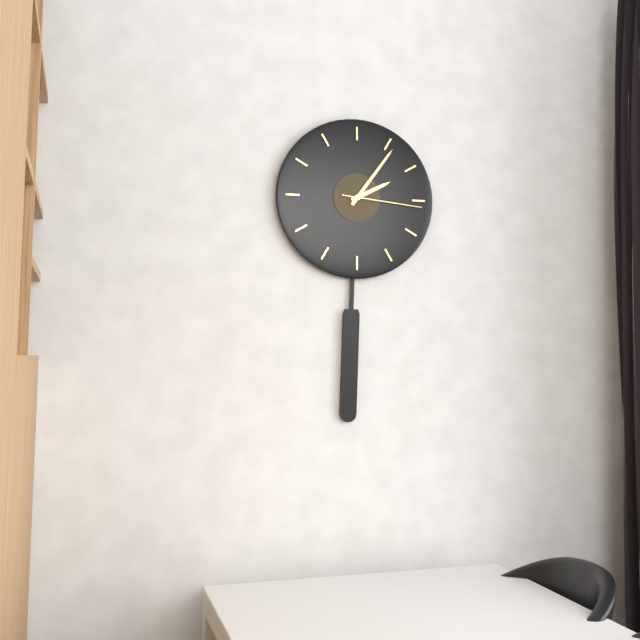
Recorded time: 2.06.16
